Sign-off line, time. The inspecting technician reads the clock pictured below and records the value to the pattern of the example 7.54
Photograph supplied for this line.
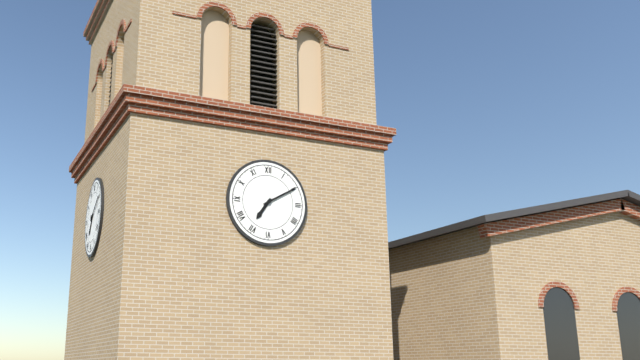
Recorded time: 7.10
